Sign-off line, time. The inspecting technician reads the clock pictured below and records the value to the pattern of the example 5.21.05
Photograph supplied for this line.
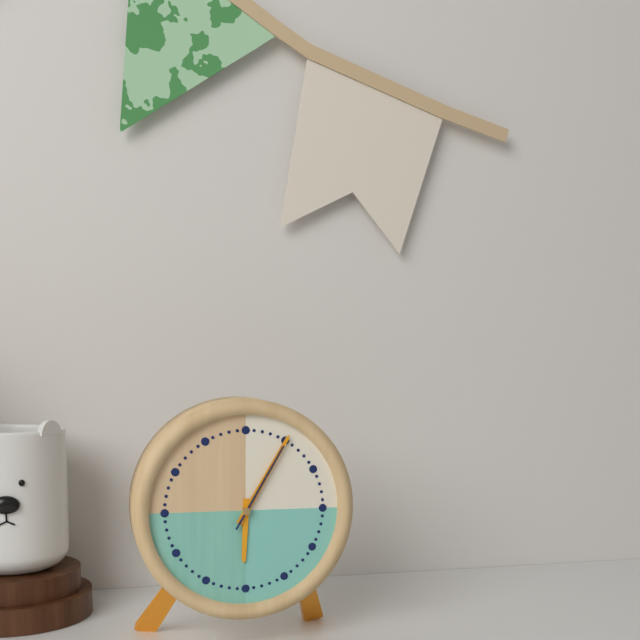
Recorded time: 6.05.05
